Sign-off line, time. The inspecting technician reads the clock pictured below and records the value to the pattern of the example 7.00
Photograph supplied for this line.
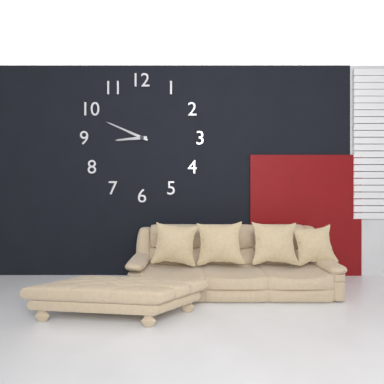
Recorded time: 8.49
